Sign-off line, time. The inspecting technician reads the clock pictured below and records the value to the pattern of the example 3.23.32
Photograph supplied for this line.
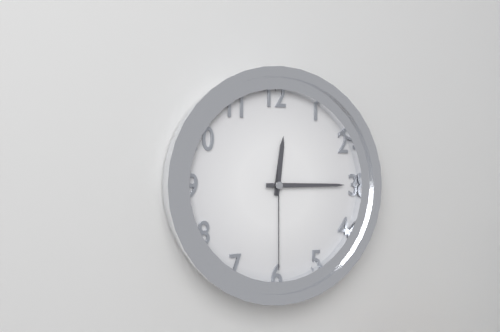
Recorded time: 12.15.30
